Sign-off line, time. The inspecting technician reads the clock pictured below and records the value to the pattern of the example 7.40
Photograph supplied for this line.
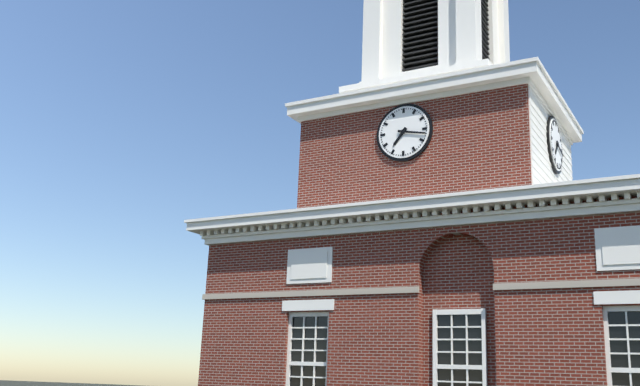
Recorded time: 7.17
